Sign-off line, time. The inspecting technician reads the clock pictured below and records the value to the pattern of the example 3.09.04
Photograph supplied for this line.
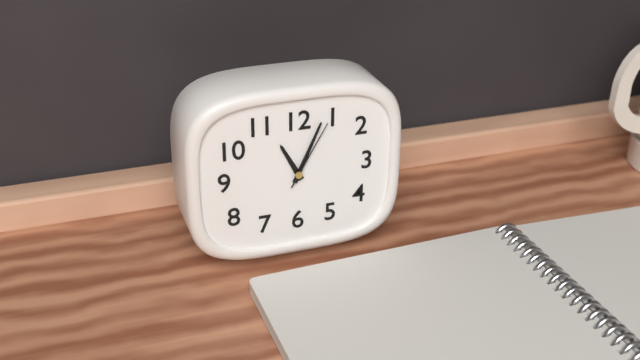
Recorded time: 11.04.05
